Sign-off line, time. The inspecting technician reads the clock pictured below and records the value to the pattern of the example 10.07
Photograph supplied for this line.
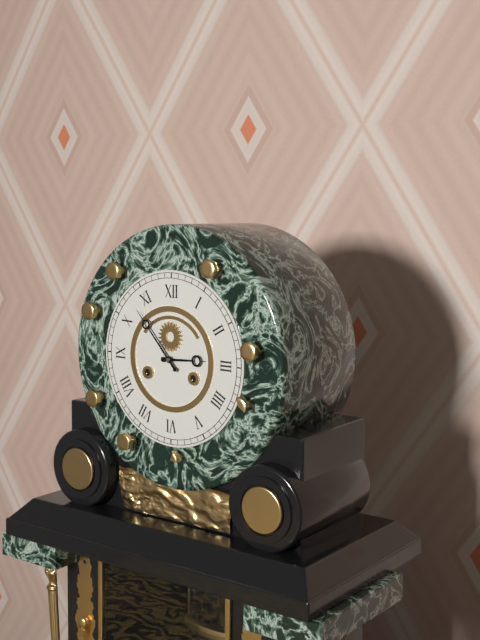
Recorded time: 2.53
